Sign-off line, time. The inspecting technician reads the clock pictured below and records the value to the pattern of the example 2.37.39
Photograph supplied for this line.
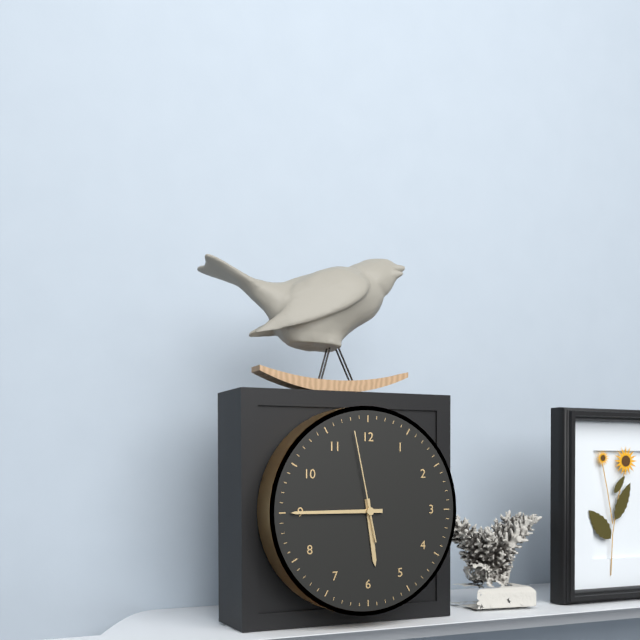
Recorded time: 5.45.58
